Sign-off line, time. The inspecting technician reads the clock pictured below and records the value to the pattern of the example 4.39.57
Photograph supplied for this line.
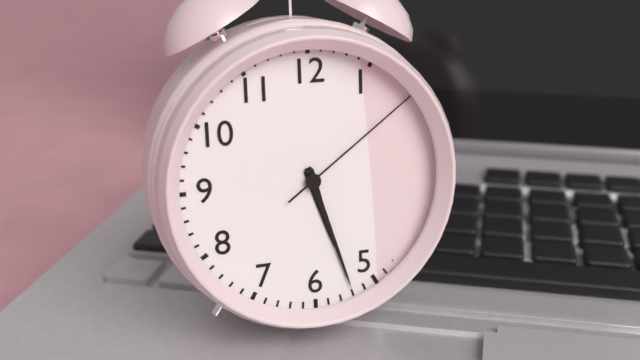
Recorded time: 5.27.09
